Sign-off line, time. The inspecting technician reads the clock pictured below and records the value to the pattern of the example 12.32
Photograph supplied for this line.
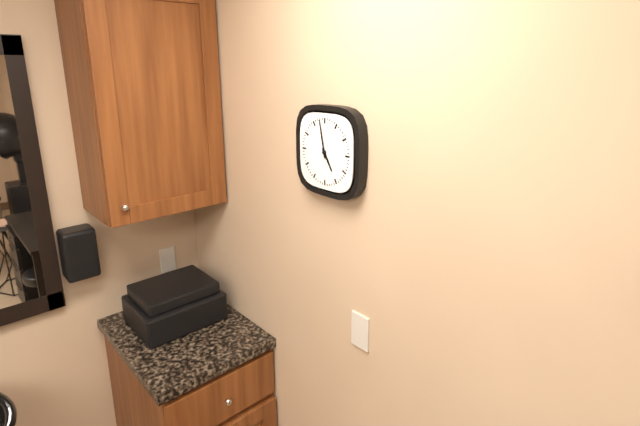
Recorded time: 4.58
